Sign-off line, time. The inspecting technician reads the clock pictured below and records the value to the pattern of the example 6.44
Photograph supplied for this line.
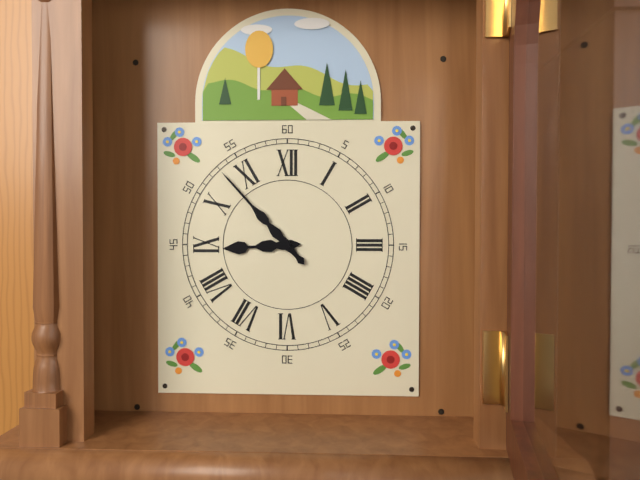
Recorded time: 8.53
